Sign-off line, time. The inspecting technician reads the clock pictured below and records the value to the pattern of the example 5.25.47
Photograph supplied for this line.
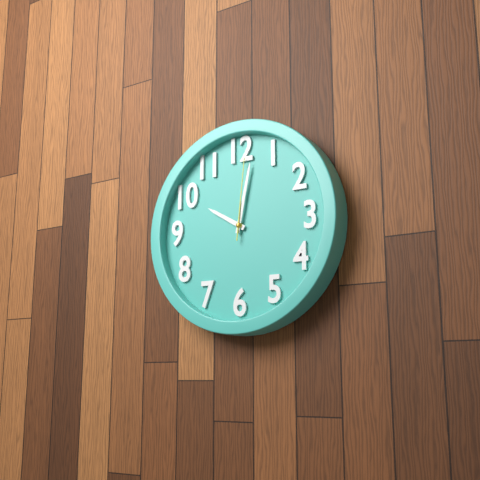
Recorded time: 10.02.01
